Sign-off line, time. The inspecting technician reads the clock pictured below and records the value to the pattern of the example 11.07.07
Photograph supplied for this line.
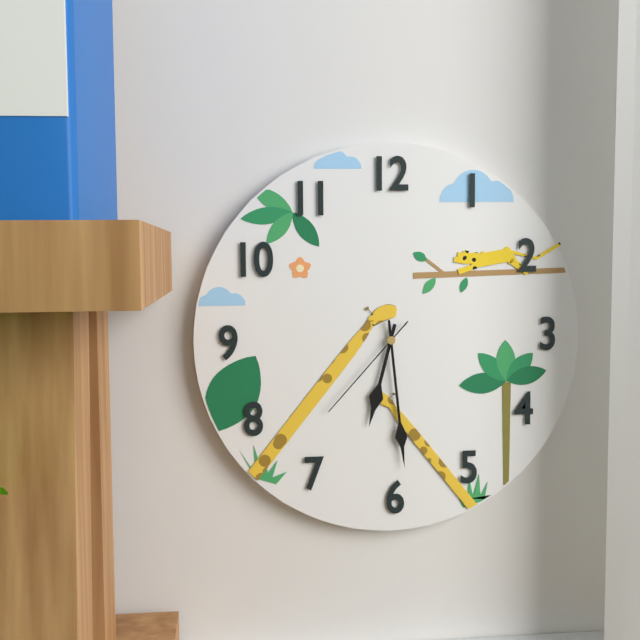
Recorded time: 6.29.37
